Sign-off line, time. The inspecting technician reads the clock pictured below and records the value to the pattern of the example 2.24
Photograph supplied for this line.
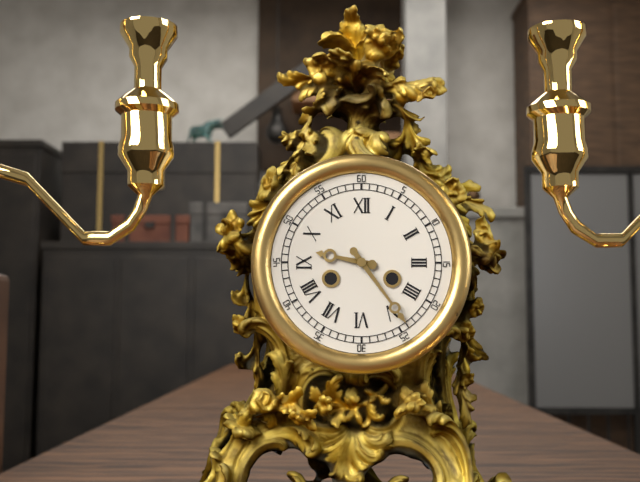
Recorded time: 9.24
